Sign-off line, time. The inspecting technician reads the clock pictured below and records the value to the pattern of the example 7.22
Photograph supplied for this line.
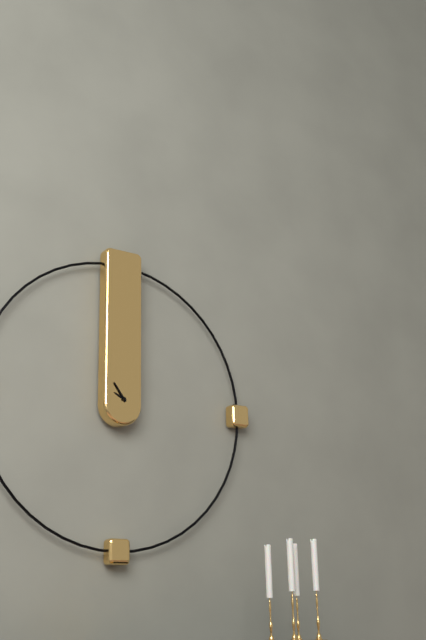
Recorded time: 9.54
